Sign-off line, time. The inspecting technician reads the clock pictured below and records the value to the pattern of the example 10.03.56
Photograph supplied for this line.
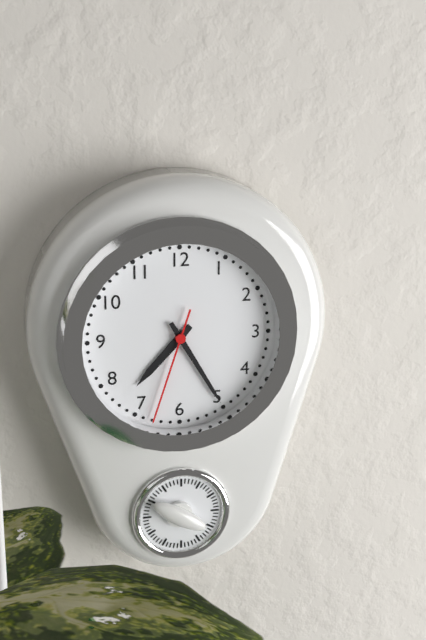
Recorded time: 7.25.33
